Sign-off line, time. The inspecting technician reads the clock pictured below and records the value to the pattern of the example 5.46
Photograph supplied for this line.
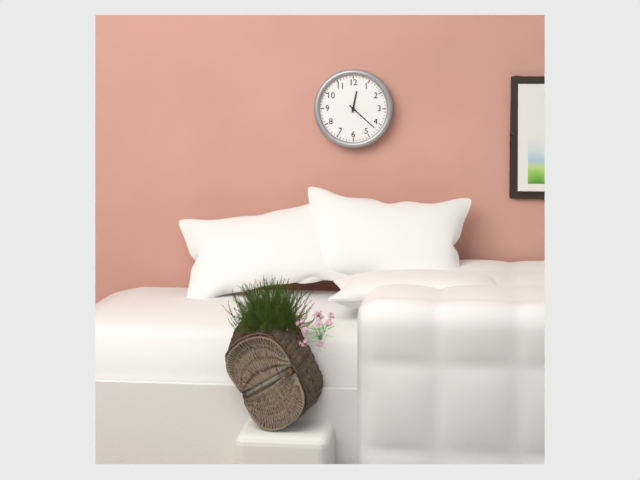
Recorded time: 12.22
